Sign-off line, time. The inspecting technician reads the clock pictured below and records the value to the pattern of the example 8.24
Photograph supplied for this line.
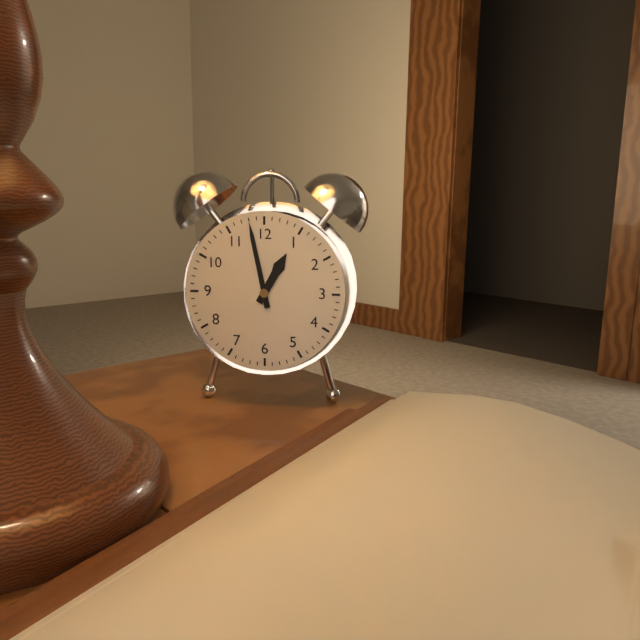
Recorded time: 12.58
